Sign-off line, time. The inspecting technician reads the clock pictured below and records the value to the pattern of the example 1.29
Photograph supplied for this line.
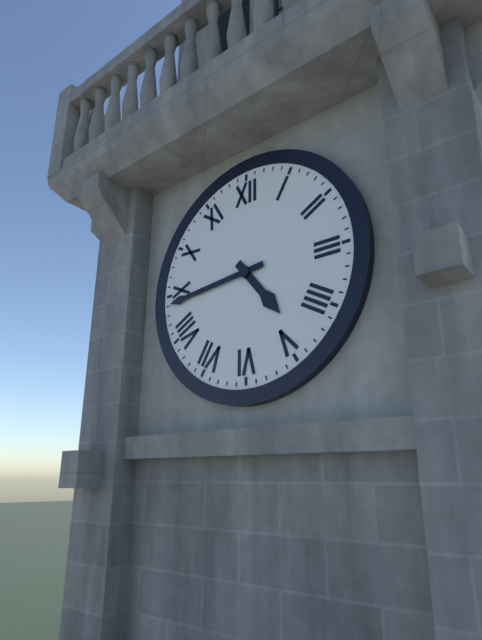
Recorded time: 4.44
